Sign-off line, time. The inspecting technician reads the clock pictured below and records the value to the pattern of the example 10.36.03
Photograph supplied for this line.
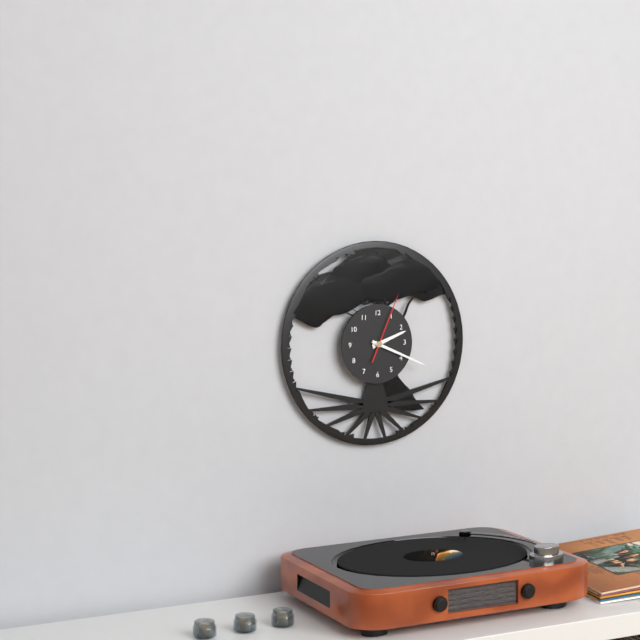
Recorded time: 2.19.04
